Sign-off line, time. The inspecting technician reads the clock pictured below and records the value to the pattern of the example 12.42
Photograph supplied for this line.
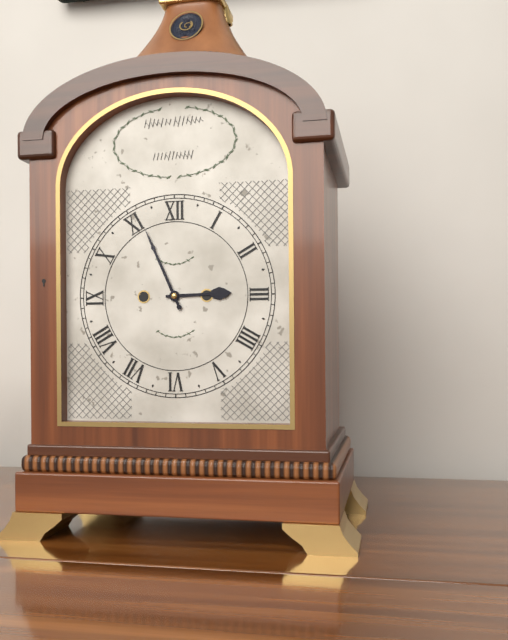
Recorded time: 2.56
